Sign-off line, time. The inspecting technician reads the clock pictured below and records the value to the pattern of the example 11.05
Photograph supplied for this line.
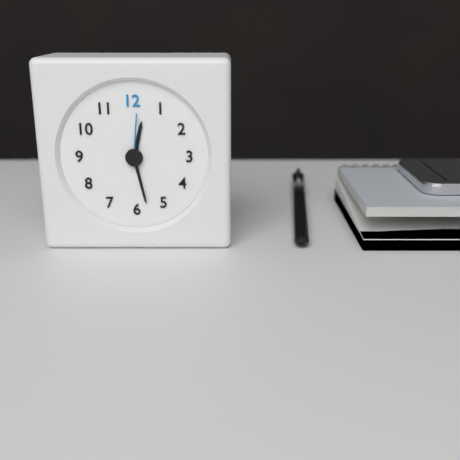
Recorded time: 12.28
